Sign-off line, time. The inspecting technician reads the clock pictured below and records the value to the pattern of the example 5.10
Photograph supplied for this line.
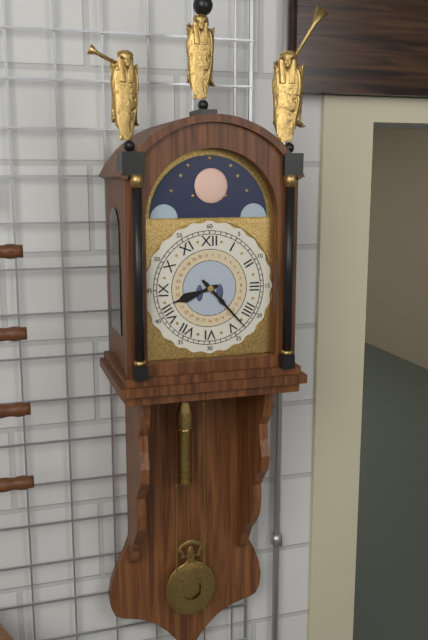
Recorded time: 8.23
